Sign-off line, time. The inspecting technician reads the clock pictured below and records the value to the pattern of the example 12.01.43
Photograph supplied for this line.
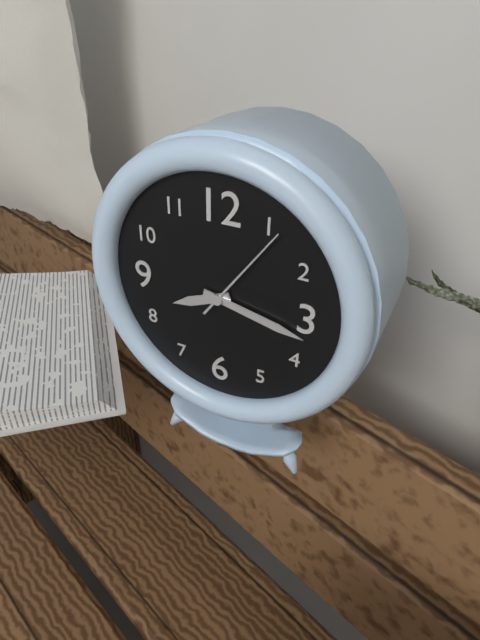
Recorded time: 8.17.06
